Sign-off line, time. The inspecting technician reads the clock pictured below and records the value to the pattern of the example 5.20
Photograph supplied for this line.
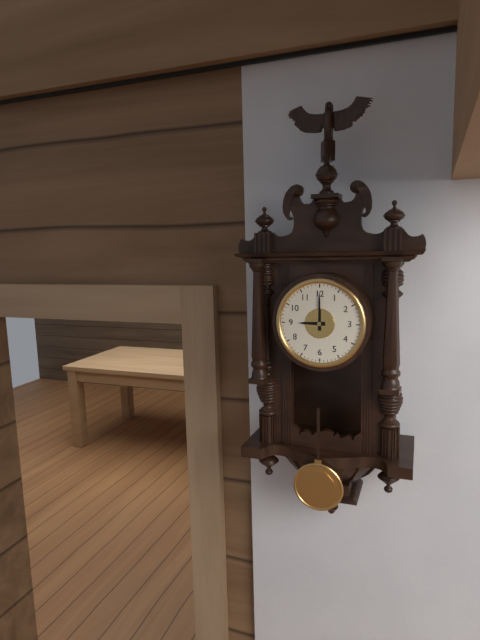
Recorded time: 9.00
